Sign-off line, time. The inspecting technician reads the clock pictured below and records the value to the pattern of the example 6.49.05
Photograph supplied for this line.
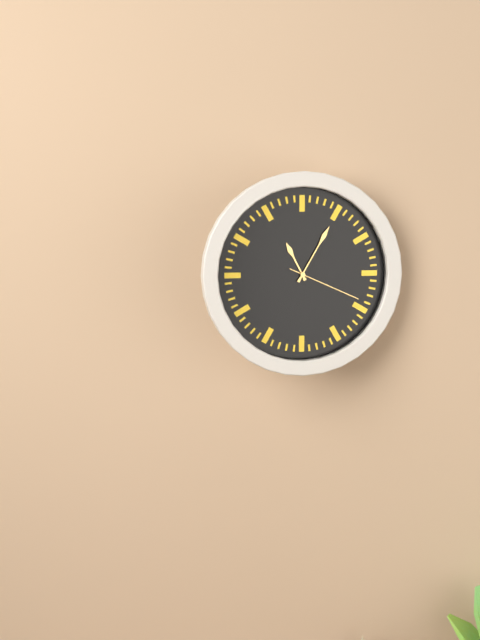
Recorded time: 11.05.19
